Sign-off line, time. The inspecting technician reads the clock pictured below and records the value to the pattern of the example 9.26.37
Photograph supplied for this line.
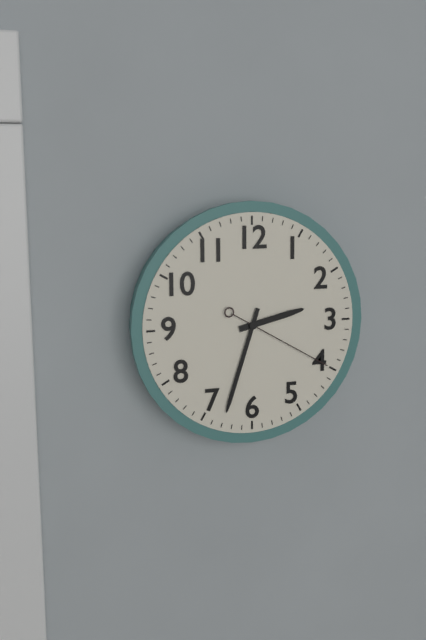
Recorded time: 2.33.20
